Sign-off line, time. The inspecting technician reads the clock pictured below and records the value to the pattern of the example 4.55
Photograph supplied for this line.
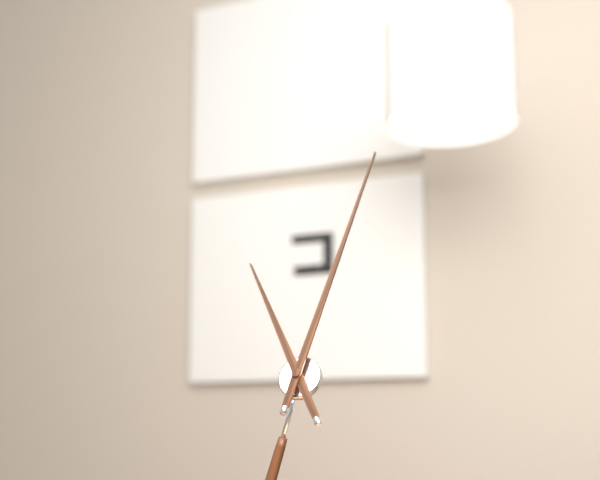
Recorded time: 11.02
